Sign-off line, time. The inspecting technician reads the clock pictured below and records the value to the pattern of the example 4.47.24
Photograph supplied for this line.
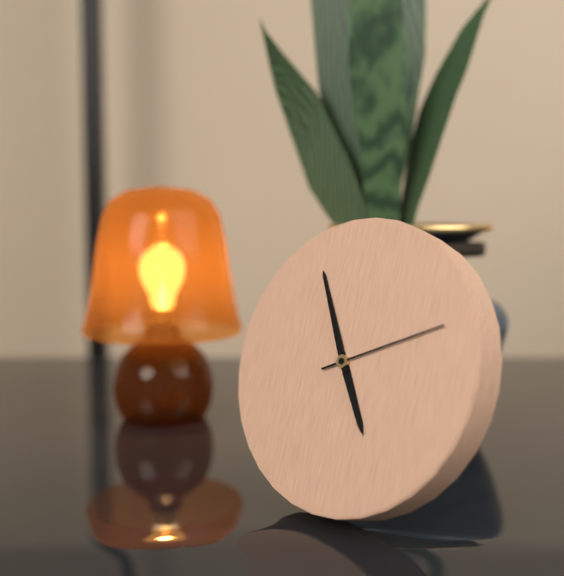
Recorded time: 4.55.11
